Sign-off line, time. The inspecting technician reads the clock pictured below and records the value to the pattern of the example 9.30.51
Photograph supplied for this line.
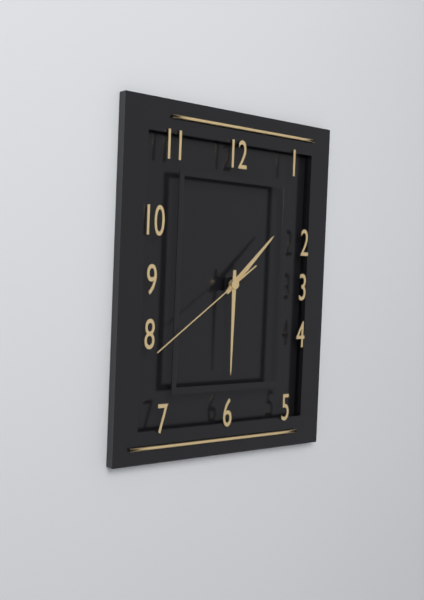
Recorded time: 1.30.39
